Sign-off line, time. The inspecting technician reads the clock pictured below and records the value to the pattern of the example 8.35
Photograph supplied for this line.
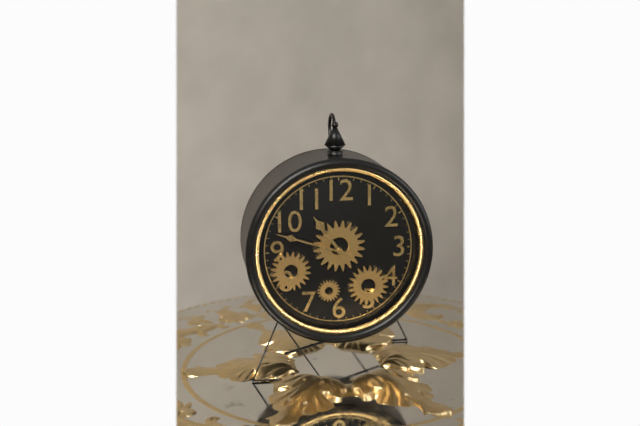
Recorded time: 10.48
